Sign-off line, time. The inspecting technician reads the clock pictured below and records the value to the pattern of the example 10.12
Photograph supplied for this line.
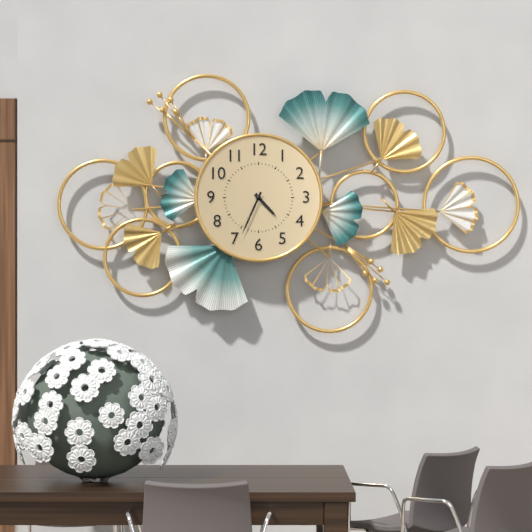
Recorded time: 4.34
